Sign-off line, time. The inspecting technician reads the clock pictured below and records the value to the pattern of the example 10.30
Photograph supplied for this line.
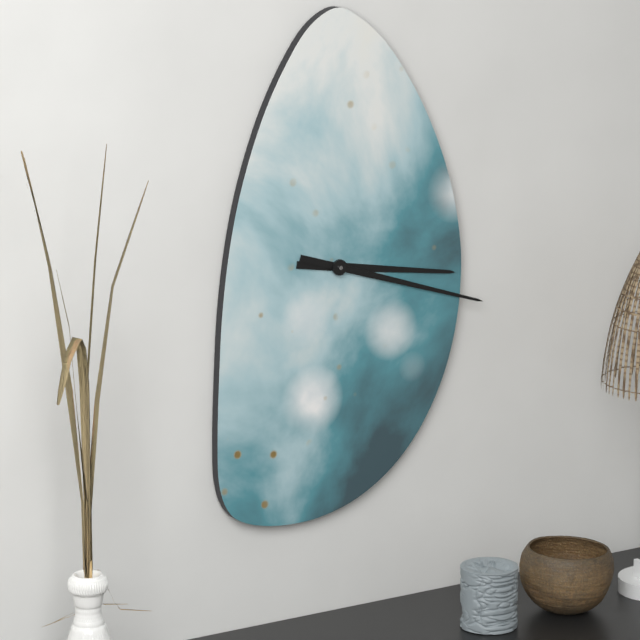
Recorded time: 3.18
